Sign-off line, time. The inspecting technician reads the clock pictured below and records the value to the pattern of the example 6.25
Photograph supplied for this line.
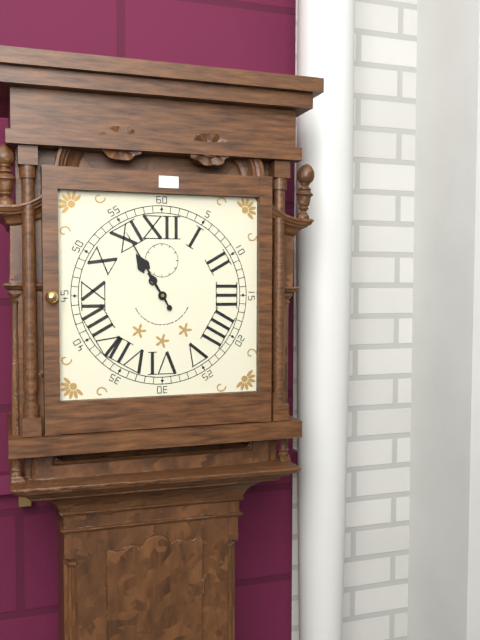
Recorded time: 10.55
